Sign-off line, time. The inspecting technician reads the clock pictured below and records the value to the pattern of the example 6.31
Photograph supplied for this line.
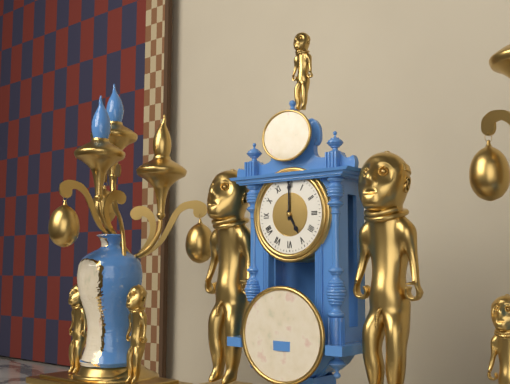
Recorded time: 5.00
